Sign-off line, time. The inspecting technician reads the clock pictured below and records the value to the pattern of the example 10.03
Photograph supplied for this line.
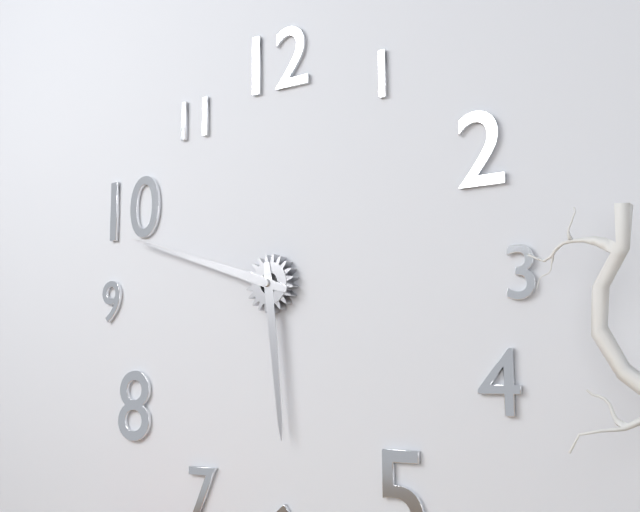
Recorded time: 5.48
